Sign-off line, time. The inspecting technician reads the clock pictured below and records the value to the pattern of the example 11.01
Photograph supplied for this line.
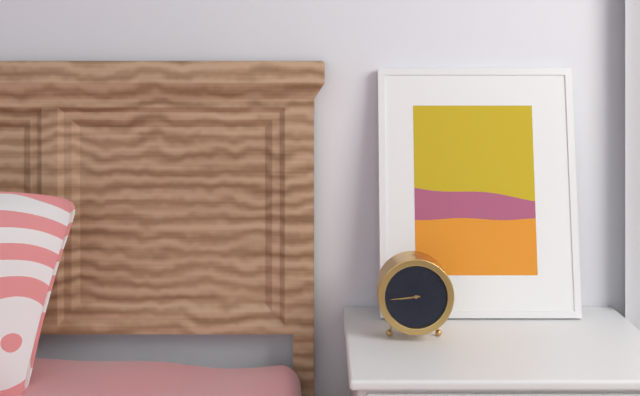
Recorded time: 8.44
